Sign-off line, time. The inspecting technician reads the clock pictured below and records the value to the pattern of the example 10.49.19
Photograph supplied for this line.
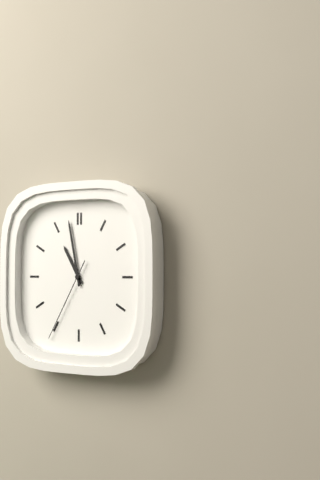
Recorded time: 10.58.35
